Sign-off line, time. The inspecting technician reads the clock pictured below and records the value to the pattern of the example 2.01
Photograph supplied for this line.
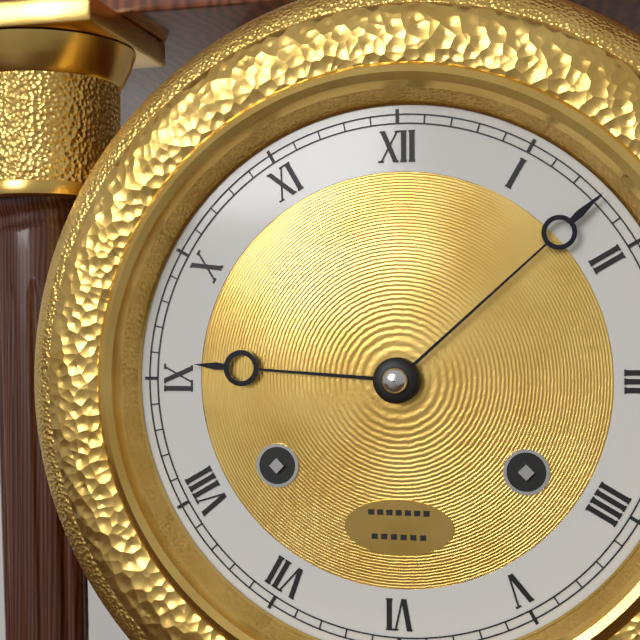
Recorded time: 9.08
